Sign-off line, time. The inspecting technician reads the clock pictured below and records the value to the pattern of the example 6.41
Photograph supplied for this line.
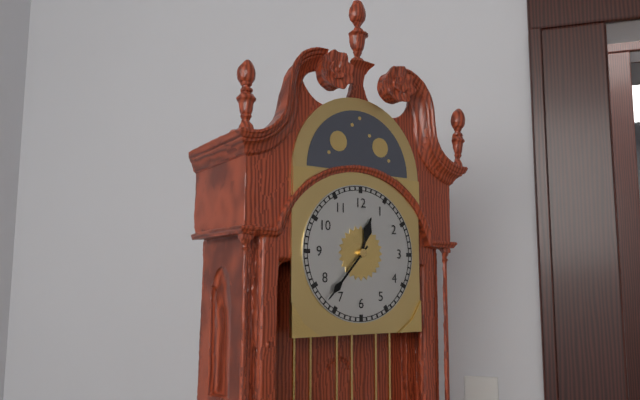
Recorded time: 12.37
